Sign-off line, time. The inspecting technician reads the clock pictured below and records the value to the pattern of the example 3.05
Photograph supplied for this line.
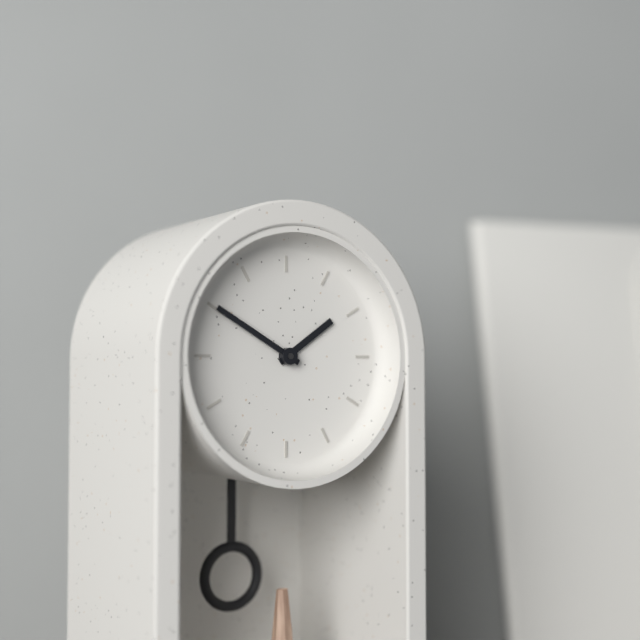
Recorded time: 1.50
